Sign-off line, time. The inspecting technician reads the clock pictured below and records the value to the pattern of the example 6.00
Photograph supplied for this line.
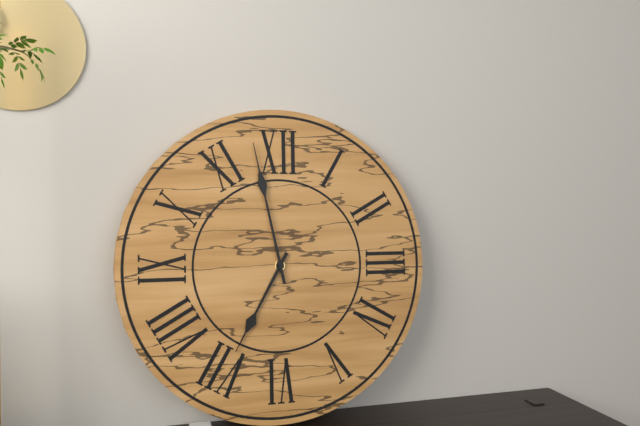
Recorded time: 6.58
